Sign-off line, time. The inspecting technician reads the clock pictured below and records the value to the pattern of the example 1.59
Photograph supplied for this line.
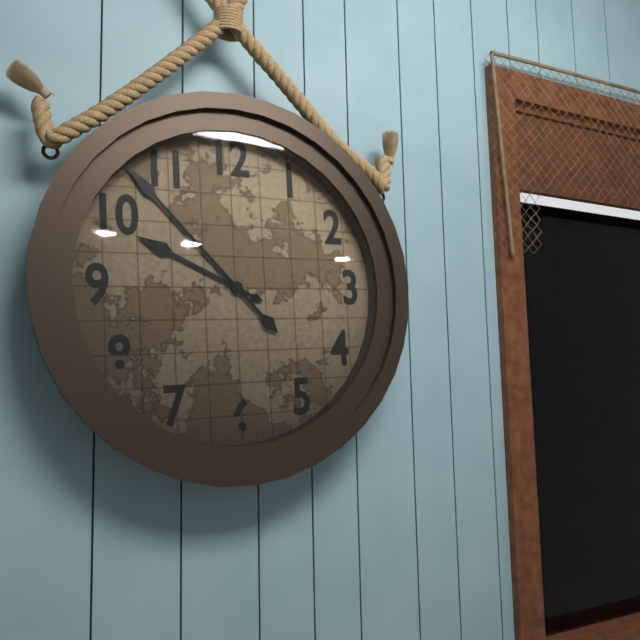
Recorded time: 9.53
